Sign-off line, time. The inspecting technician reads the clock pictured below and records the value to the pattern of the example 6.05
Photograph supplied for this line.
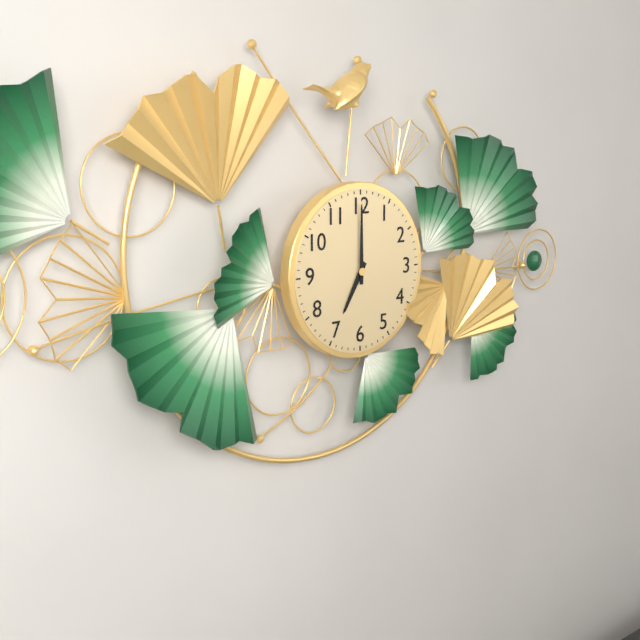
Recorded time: 7.00
